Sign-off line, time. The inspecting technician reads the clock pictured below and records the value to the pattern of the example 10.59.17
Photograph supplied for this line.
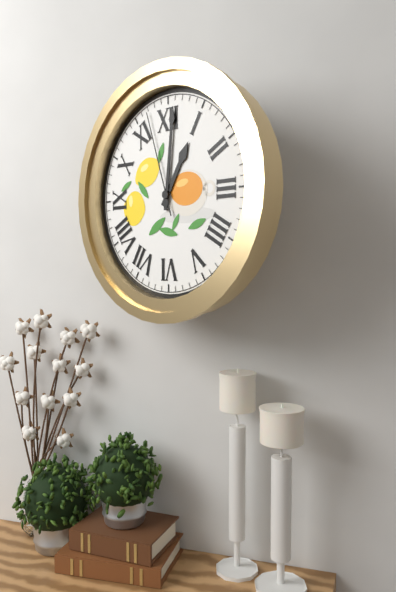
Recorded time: 1.01.57
